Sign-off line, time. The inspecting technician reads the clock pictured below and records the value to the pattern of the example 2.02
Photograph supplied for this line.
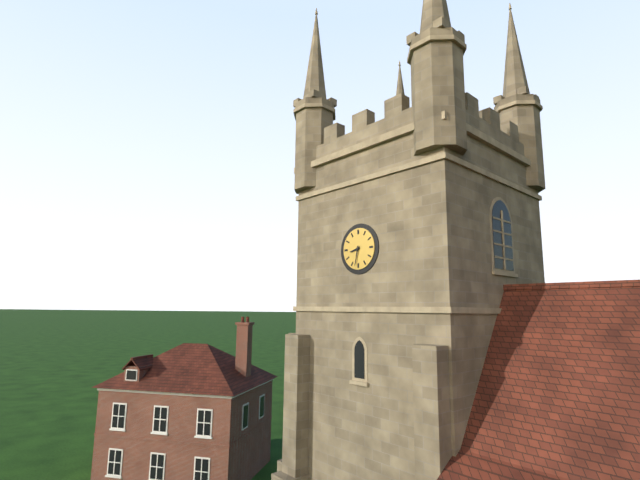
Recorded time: 8.32
